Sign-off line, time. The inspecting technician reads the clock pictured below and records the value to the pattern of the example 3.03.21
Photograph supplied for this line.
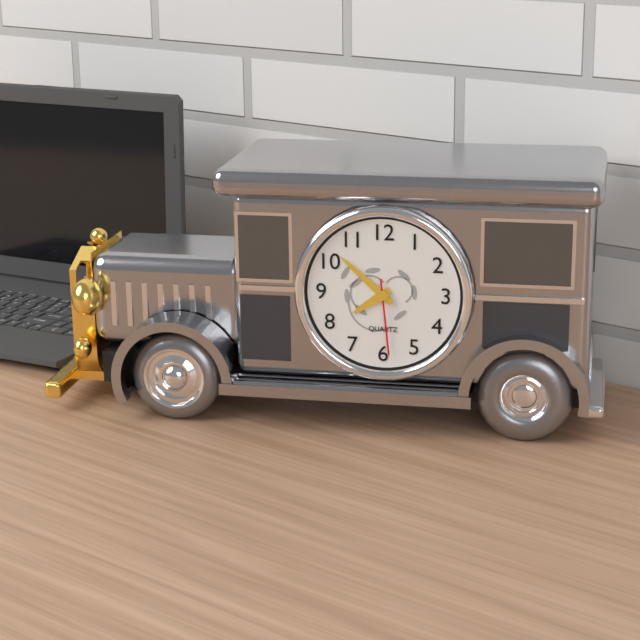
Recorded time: 7.52.29
